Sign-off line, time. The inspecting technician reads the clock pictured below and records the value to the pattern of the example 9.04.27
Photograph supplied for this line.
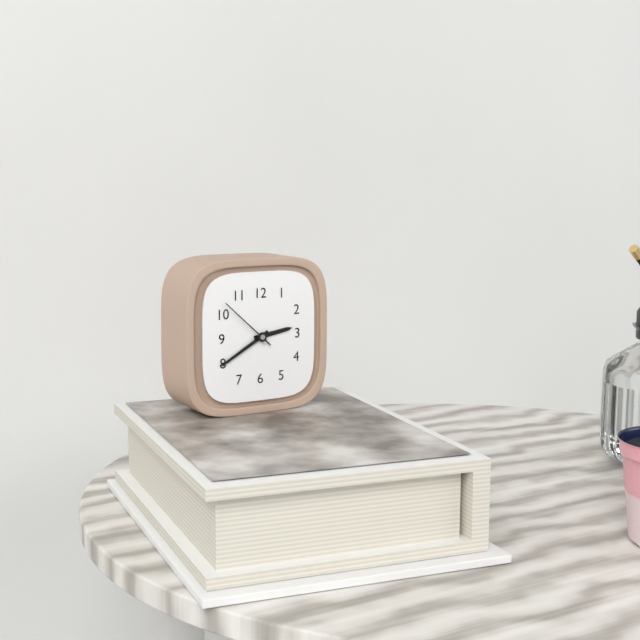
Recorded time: 2.40.52
